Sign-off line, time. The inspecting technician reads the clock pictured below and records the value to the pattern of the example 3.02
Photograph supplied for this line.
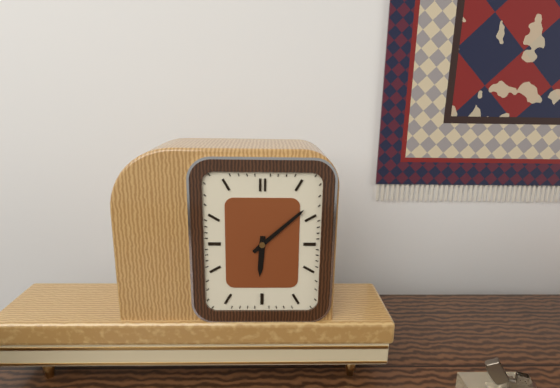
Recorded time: 6.08
